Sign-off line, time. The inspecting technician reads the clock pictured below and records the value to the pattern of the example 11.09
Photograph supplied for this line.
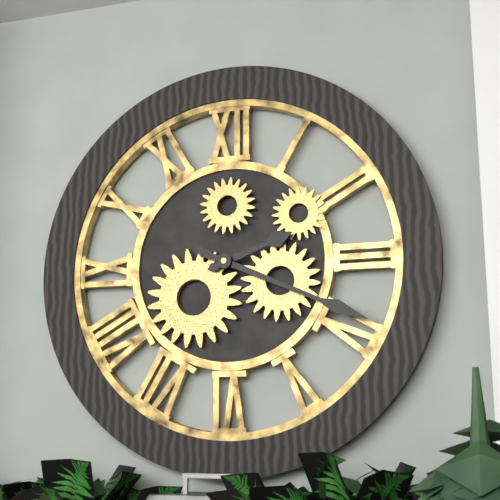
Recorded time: 2.19
